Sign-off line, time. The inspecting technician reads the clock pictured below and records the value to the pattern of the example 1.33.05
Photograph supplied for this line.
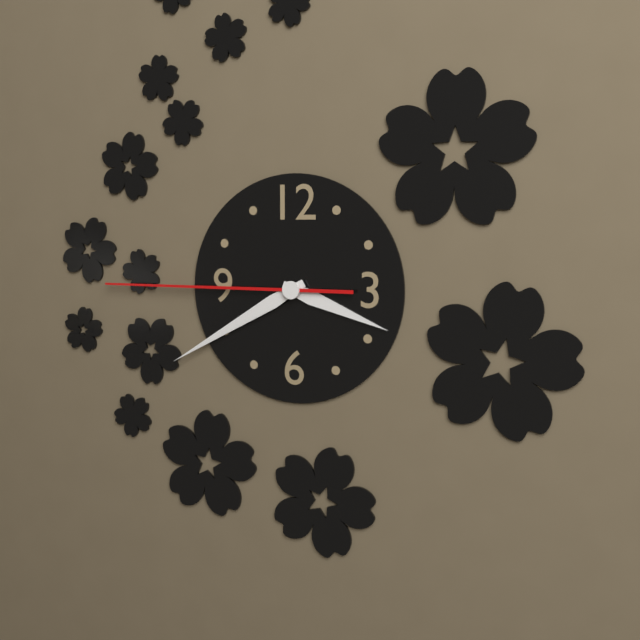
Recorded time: 3.40.45
